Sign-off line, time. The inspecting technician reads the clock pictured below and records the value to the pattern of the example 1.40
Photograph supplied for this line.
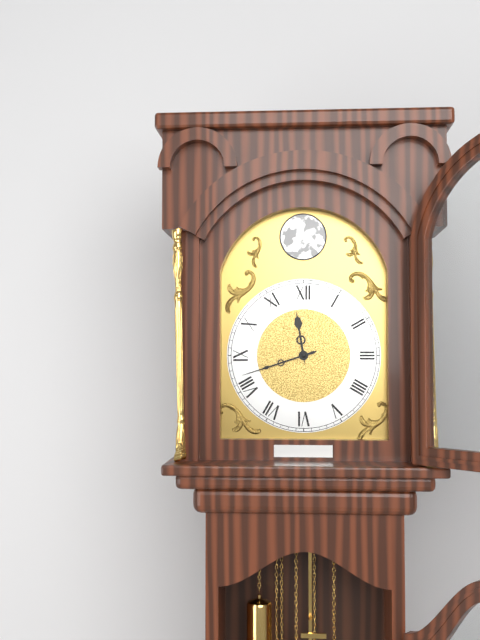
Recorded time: 11.42
